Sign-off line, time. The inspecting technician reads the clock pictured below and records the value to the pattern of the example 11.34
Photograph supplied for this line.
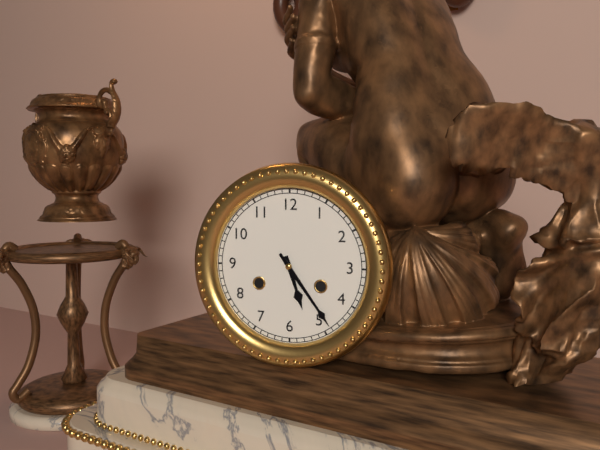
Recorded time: 5.24
